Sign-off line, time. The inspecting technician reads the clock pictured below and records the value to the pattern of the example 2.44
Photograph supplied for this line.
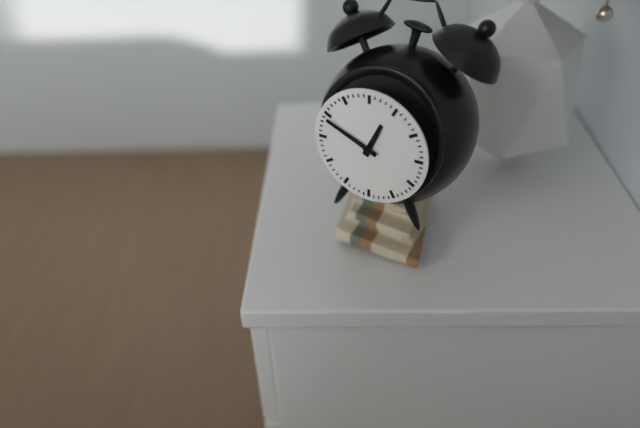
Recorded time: 12.49
